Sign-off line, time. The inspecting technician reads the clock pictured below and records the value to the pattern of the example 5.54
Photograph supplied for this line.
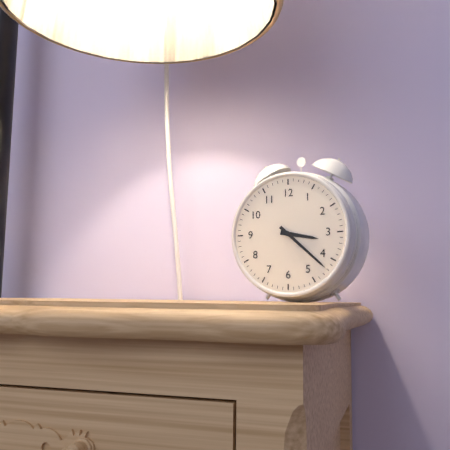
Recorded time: 3.22
